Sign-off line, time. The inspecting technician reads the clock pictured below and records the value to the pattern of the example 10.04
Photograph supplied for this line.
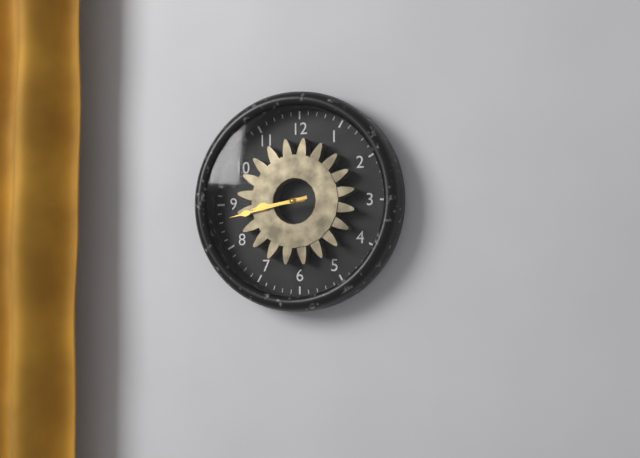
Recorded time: 8.43
